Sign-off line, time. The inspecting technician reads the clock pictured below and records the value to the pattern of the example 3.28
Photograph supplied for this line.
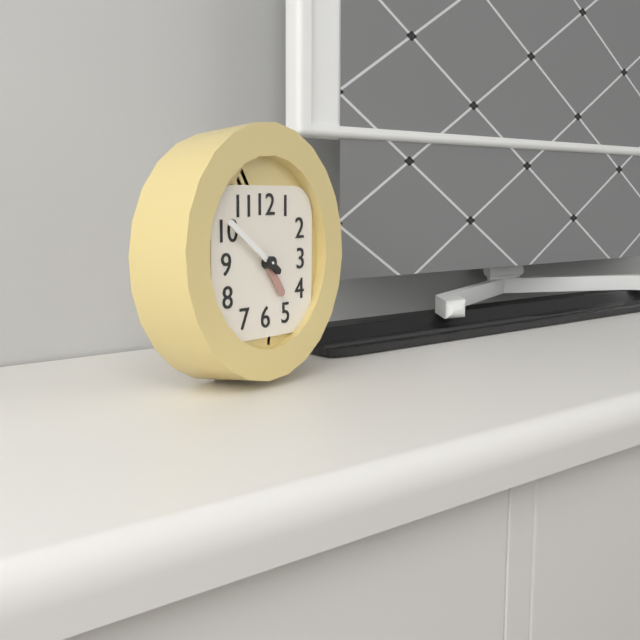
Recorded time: 4.51
